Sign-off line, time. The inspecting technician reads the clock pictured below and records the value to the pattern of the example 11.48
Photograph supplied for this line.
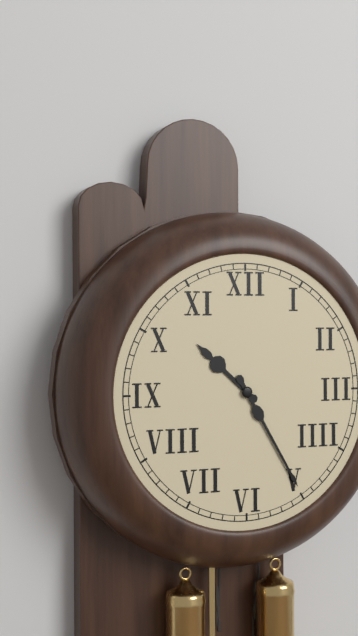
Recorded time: 10.25
